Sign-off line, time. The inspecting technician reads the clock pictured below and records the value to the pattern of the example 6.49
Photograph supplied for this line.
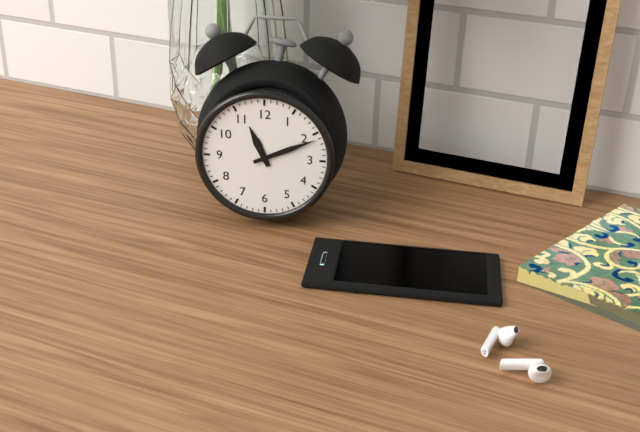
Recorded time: 11.11
